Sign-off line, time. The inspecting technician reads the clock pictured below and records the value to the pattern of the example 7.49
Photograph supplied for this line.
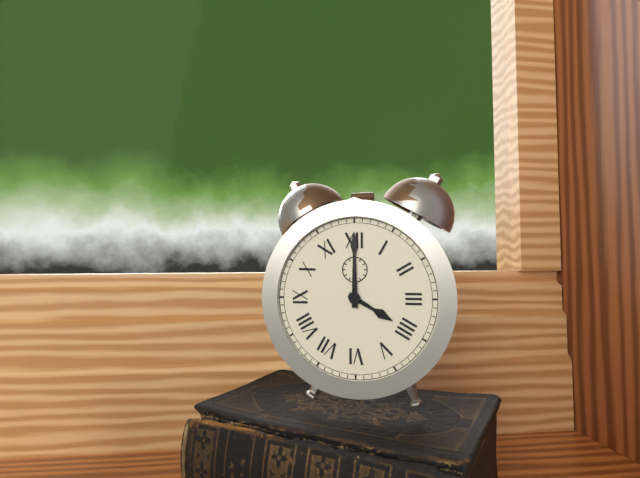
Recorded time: 4.00
